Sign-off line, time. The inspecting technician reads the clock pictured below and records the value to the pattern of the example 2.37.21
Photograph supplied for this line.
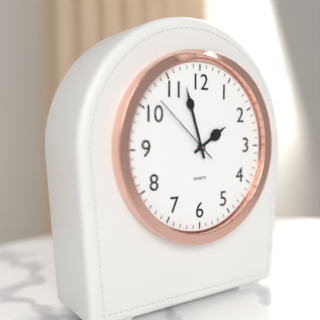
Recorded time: 1.57.52
